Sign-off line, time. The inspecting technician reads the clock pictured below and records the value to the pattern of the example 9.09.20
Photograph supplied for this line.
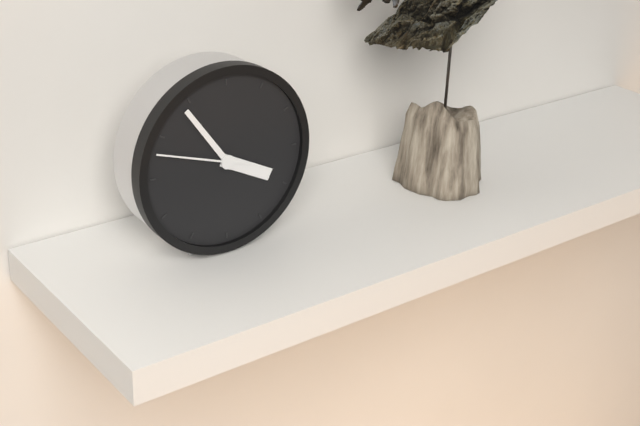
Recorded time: 3.54.48
